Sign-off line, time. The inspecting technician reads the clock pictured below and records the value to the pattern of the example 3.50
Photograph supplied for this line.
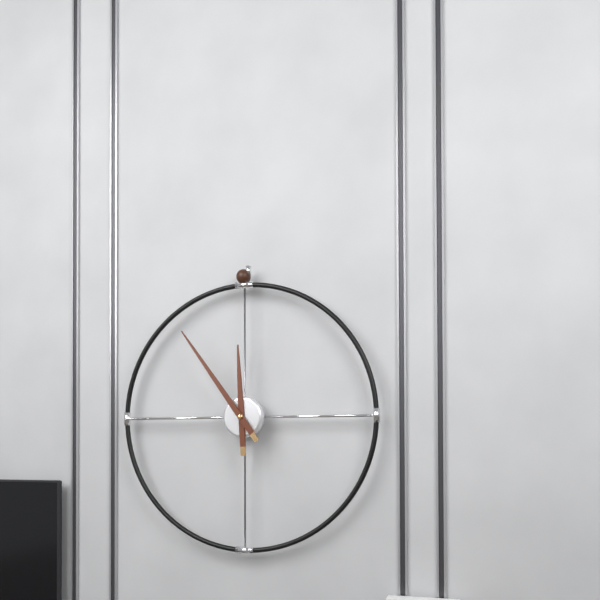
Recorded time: 11.54
